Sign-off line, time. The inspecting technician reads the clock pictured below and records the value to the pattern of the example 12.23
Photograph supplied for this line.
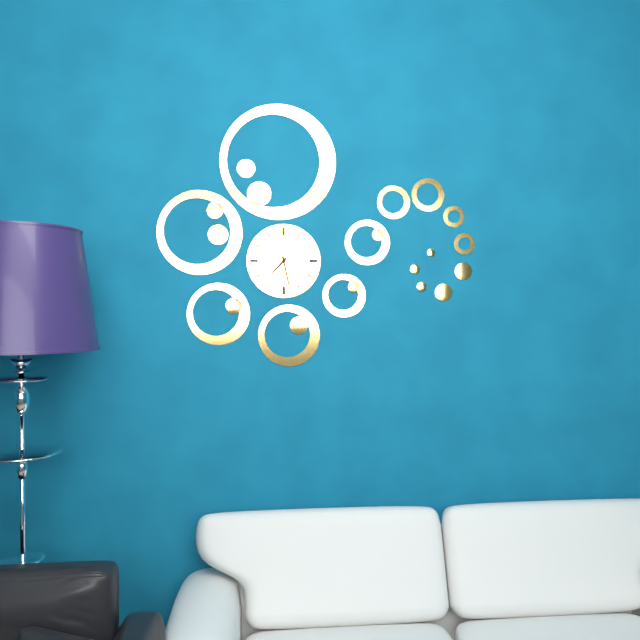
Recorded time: 7.28
